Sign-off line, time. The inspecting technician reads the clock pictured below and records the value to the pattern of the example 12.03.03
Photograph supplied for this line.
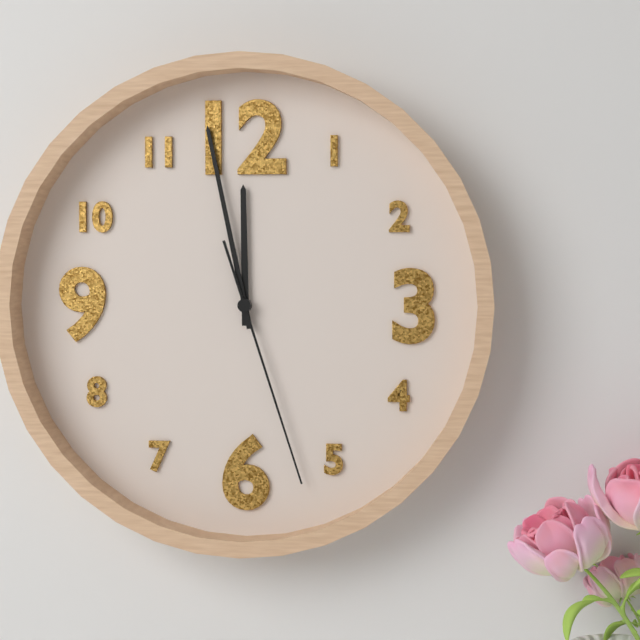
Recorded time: 11.58.27
